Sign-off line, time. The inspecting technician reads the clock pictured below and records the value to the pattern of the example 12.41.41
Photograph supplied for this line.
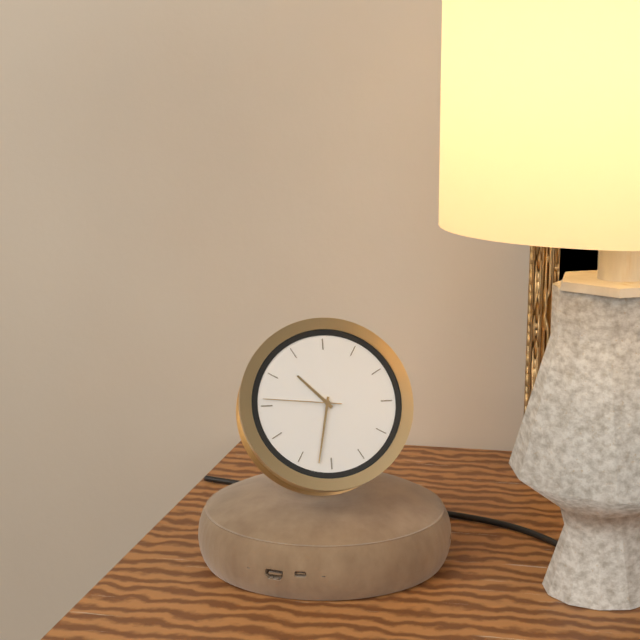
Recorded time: 10.32.46
